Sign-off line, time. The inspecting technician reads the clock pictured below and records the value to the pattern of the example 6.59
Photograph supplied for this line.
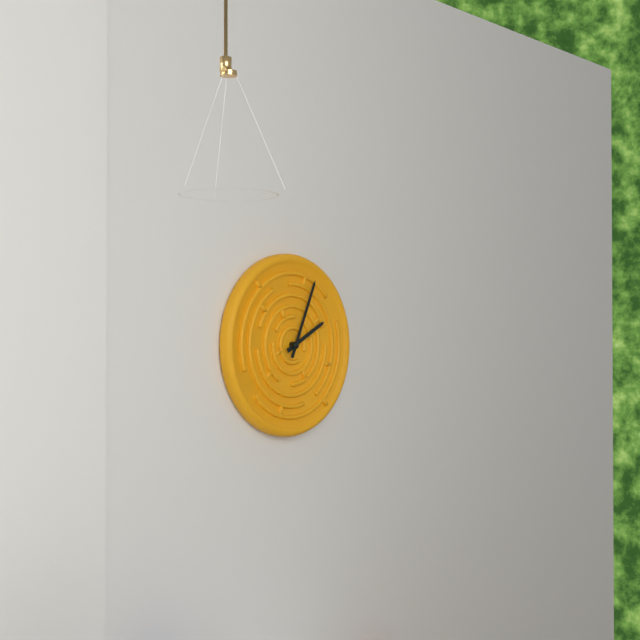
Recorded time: 2.04
